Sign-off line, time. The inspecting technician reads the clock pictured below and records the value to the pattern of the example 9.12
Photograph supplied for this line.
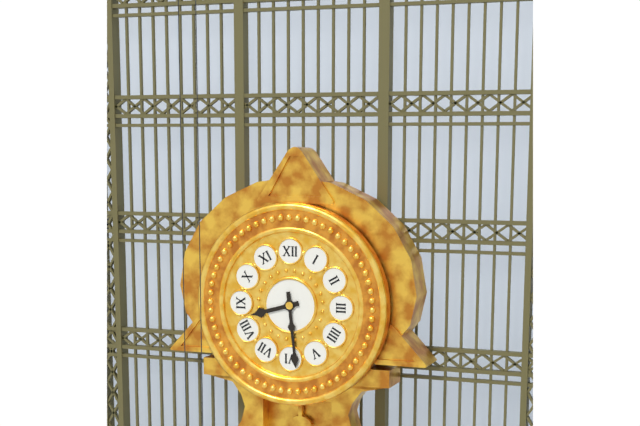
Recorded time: 8.29
